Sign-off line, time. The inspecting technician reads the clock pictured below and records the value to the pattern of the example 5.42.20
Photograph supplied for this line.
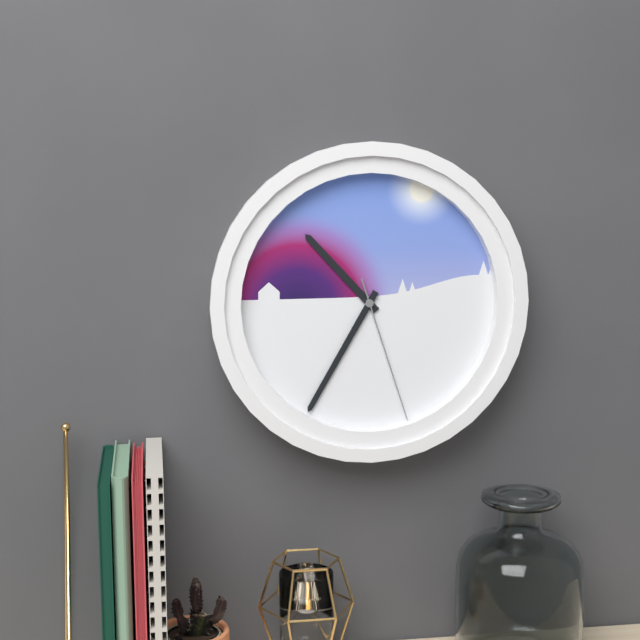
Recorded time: 10.35.27
